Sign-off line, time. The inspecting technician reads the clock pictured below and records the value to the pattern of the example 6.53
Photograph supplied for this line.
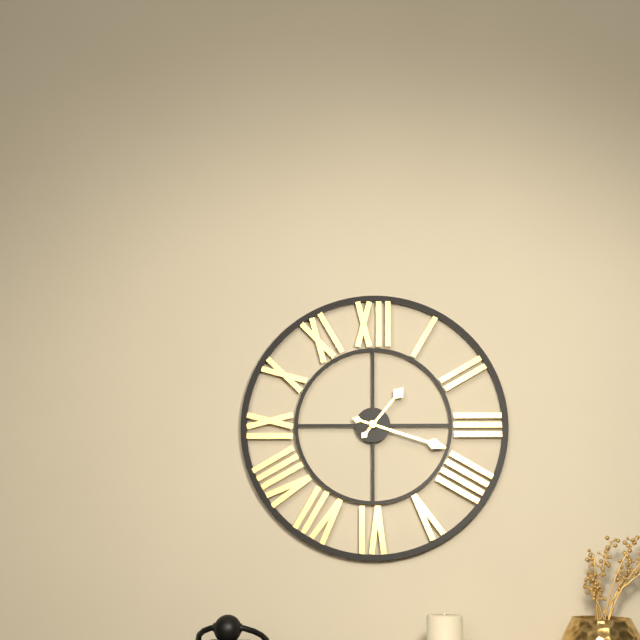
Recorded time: 1.18
